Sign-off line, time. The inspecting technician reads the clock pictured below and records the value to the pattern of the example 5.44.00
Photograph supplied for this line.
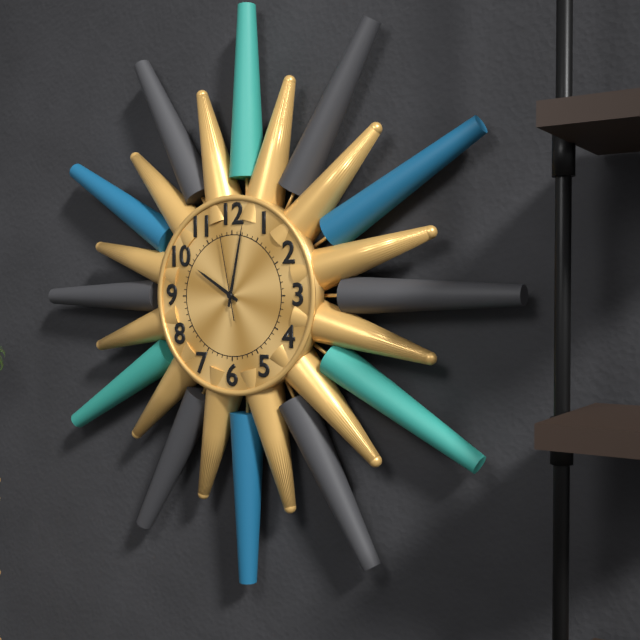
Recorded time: 10.02.58
